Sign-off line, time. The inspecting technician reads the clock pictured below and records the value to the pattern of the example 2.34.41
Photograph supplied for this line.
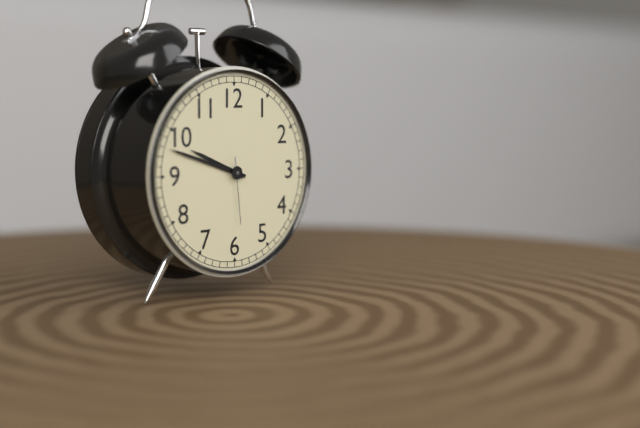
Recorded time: 9.48.29
